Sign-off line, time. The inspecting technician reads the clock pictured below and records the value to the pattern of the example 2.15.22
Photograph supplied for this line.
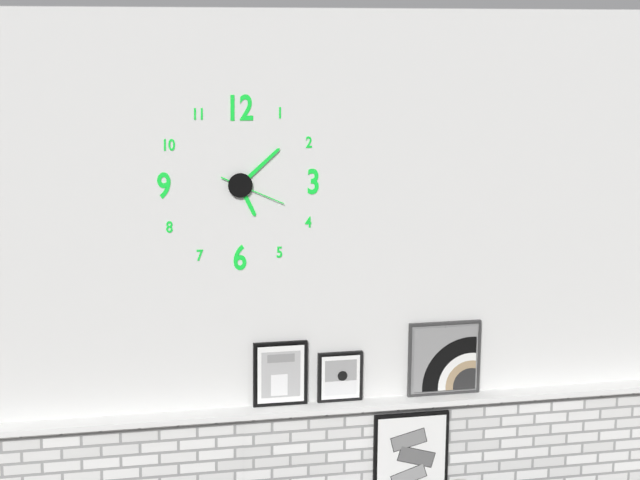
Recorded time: 5.08.19
